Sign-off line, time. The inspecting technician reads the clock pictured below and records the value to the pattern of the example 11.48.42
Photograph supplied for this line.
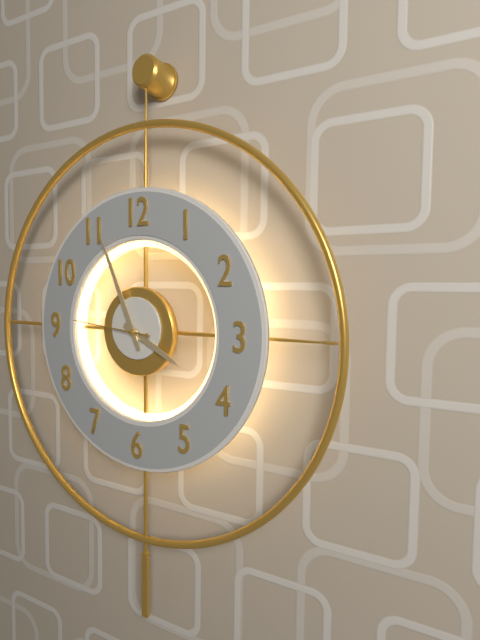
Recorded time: 3.56.46
